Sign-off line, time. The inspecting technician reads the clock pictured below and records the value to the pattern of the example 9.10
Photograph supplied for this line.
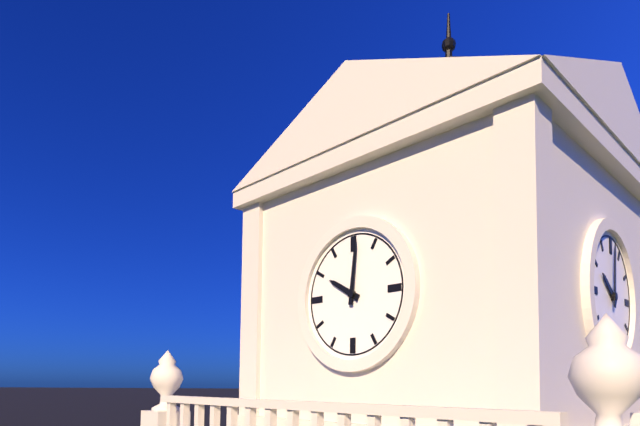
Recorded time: 10.01
